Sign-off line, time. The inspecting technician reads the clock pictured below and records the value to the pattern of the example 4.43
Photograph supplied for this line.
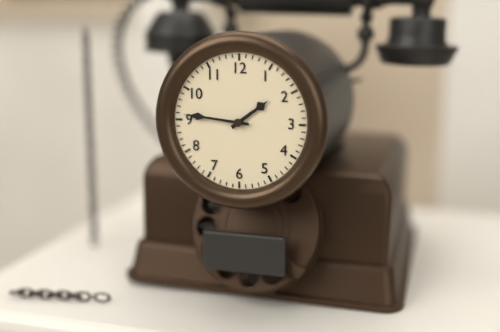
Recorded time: 1.46
